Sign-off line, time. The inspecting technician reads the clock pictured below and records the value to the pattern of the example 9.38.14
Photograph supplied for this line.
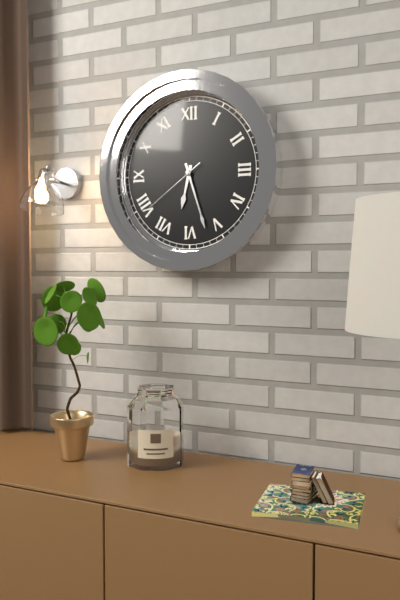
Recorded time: 6.27.39
